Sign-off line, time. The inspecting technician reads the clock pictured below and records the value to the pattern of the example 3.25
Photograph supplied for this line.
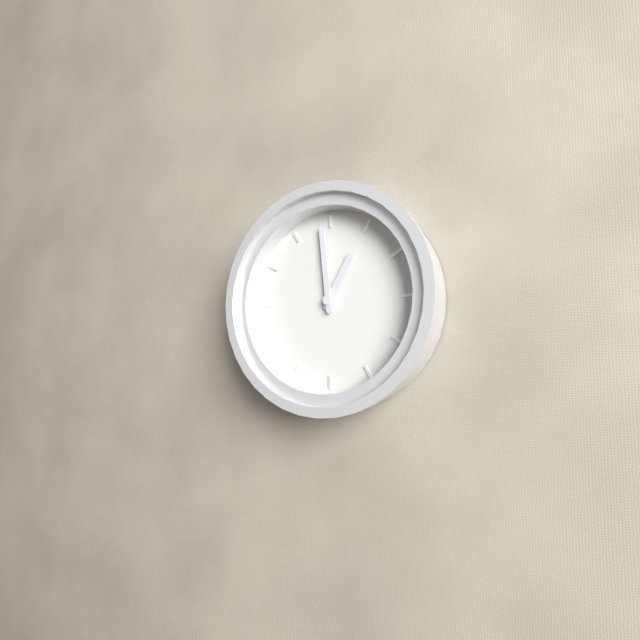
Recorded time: 12.59
